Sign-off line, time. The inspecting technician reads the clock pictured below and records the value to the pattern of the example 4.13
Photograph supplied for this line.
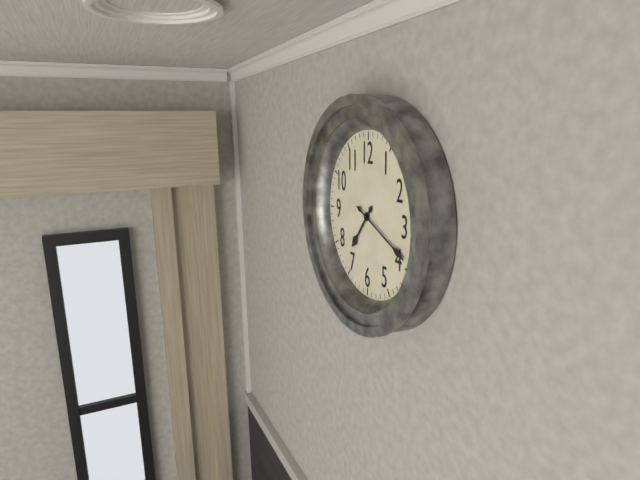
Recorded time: 7.19
